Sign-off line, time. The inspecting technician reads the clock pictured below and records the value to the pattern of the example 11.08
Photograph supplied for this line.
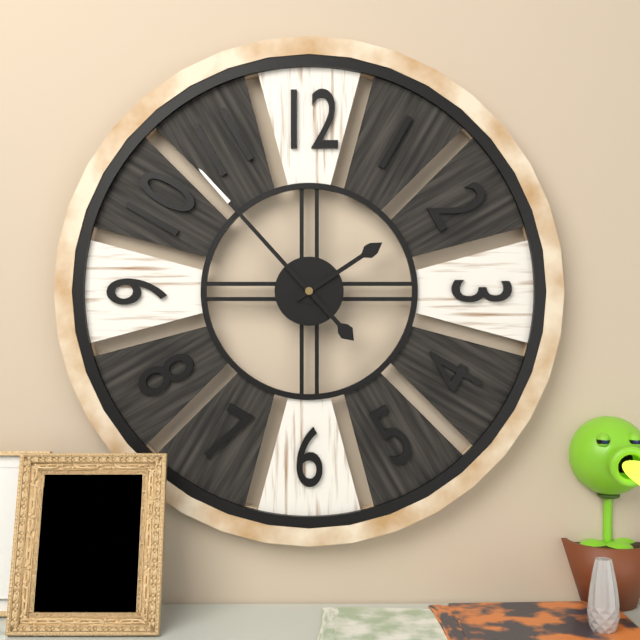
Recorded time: 1.53
